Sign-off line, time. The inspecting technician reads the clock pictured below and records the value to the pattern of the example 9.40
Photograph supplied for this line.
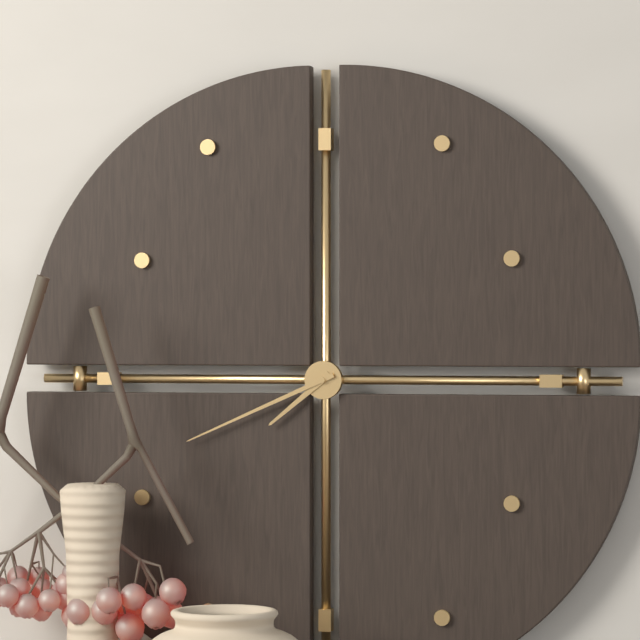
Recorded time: 7.41
